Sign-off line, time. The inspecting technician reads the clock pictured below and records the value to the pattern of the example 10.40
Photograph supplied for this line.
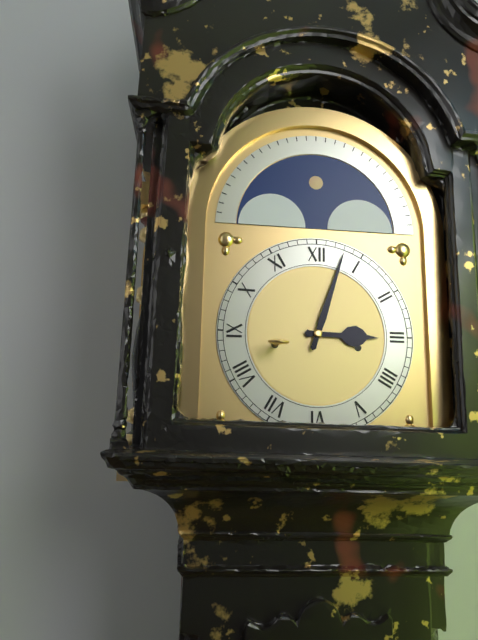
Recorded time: 3.03
